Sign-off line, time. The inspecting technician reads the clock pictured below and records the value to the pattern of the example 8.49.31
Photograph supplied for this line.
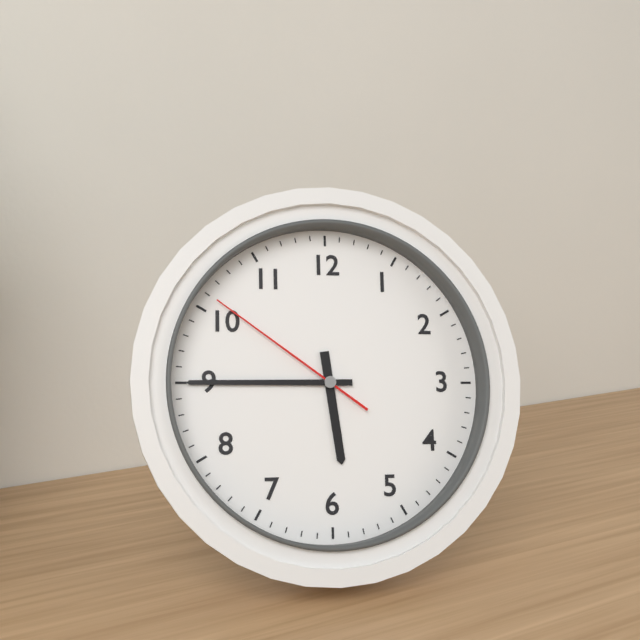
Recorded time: 5.45.51
